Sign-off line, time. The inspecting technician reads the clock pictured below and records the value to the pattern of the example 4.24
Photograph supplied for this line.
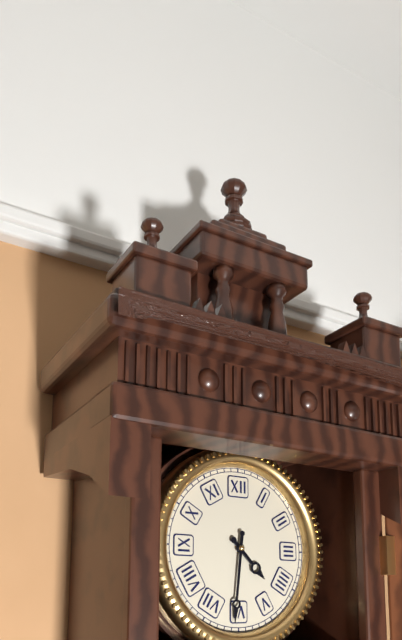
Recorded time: 4.31
